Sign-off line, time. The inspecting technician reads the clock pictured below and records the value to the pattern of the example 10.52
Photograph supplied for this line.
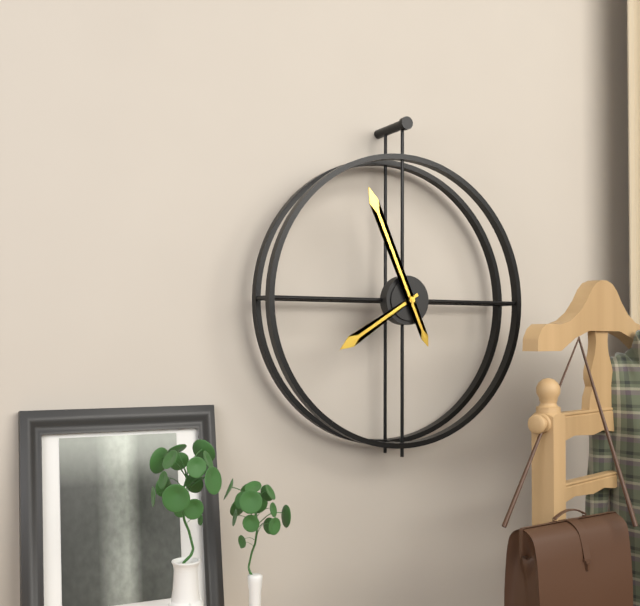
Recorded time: 7.56
